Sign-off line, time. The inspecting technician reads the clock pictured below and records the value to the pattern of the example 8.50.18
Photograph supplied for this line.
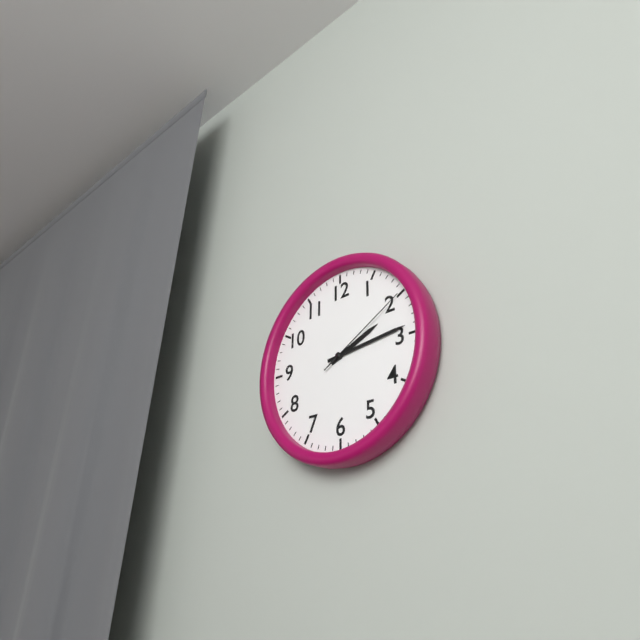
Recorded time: 2.14.10
